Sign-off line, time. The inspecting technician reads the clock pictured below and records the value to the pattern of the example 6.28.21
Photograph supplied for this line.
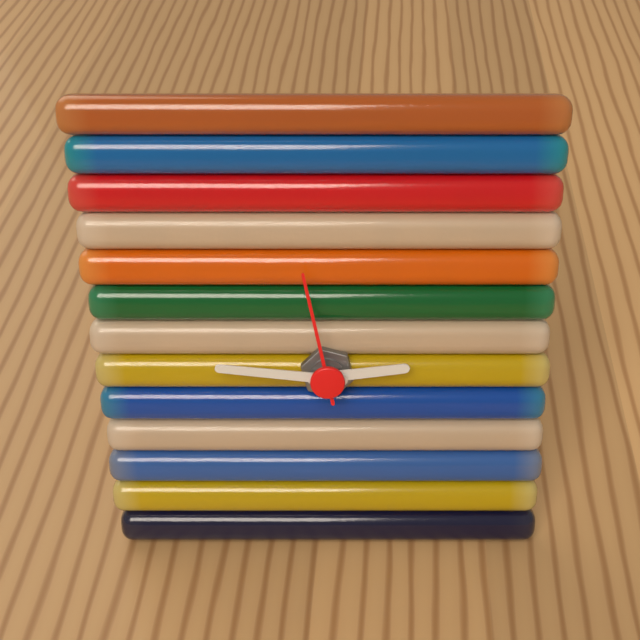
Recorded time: 2.46.58
